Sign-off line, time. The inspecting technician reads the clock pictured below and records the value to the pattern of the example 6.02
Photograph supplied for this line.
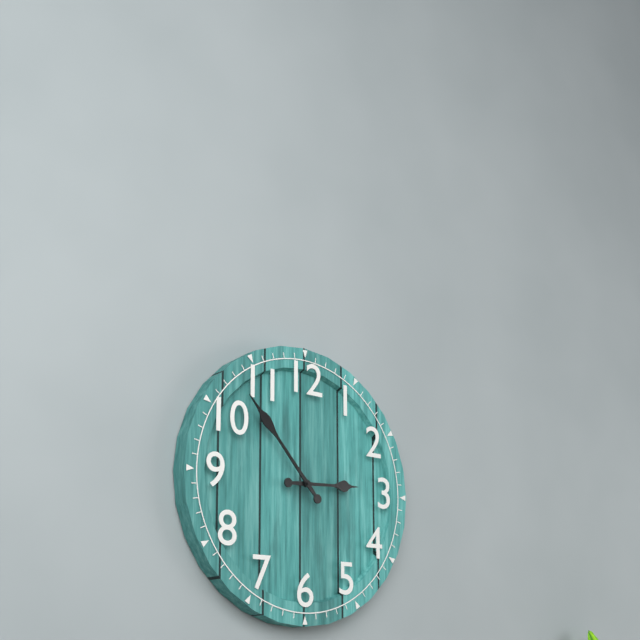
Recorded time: 2.53
